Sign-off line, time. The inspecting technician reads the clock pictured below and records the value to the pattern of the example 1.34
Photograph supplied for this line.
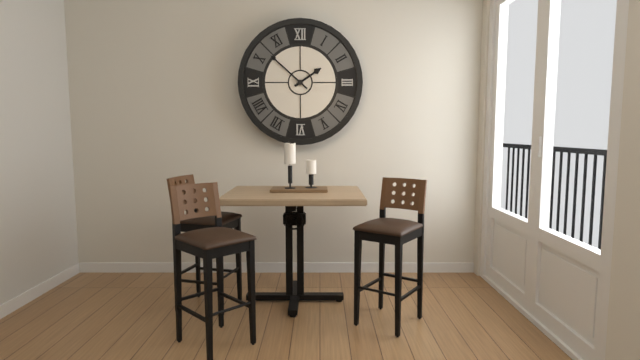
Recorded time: 1.52
